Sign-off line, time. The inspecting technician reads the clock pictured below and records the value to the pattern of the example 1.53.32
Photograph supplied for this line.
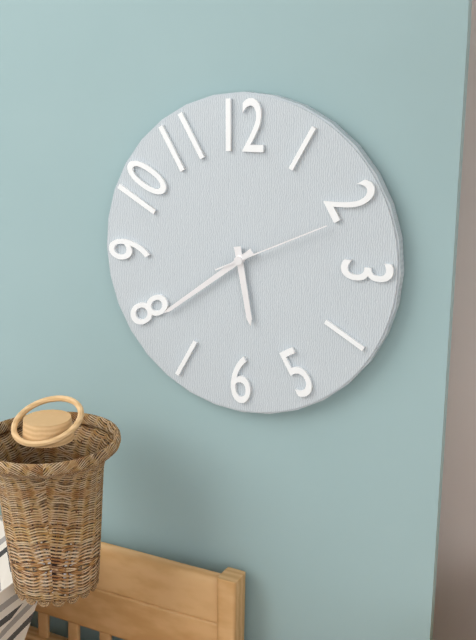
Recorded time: 5.39.11
